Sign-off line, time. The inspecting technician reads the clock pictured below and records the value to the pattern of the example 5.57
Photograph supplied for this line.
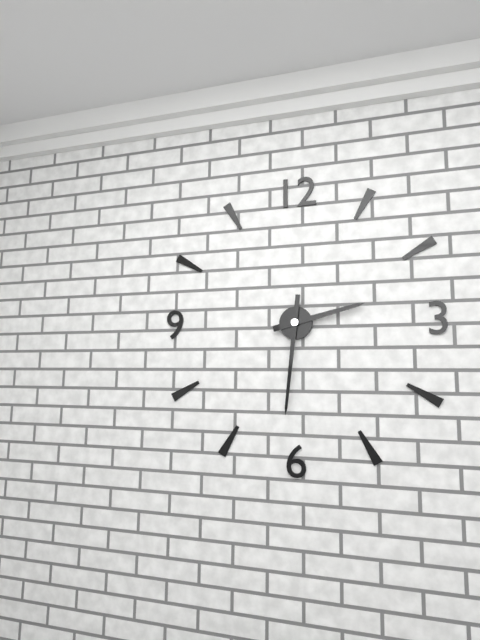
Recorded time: 2.31
